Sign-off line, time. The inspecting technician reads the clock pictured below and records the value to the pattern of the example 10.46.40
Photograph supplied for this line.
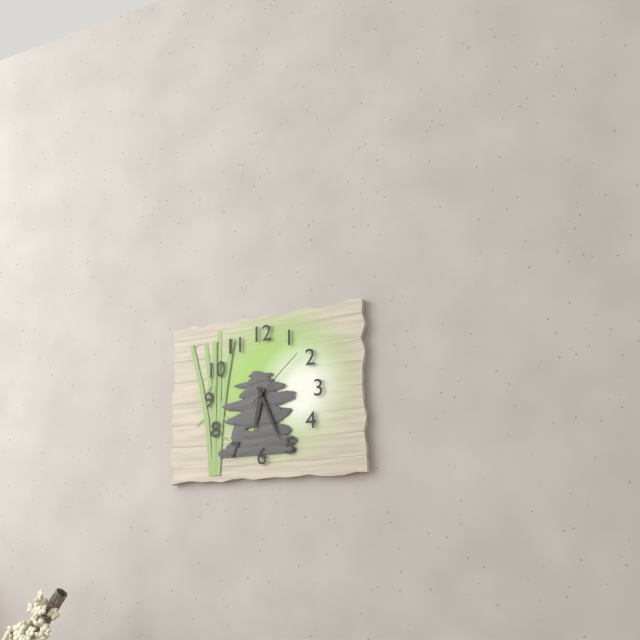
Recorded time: 6.26.08
